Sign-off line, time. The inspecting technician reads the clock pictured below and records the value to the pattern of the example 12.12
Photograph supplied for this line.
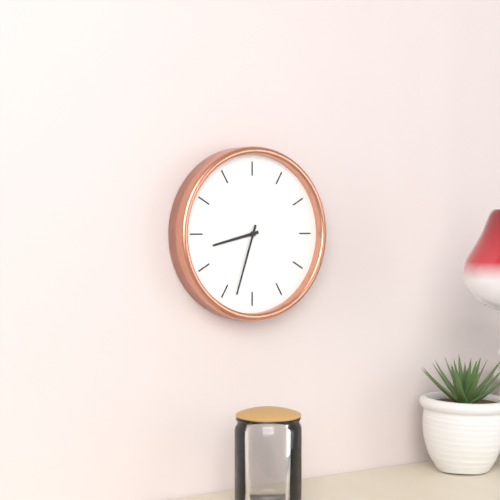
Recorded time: 8.33
